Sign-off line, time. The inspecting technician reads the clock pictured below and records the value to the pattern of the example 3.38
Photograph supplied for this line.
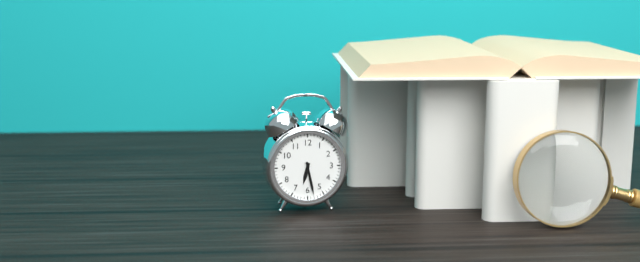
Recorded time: 6.28
